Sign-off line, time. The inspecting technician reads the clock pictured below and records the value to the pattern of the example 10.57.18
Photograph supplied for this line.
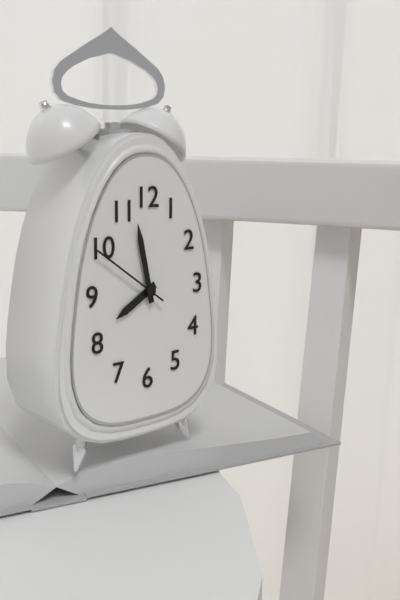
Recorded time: 7.58.51
